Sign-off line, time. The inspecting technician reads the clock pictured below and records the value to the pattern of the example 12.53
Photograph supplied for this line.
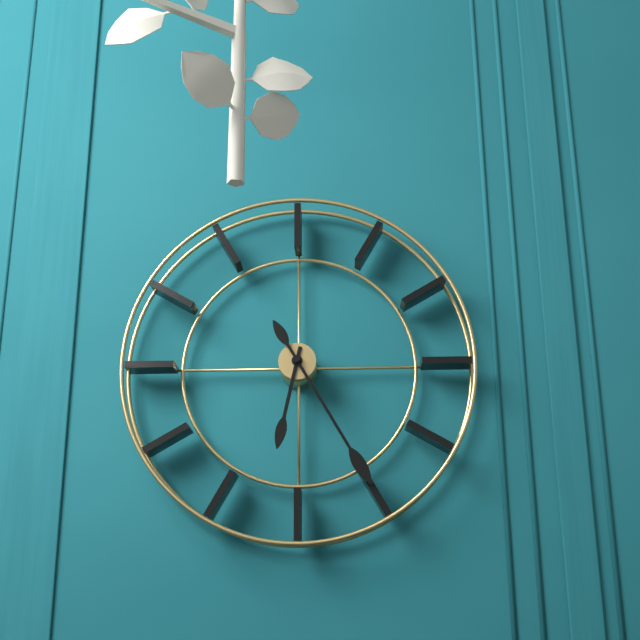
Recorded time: 6.25
